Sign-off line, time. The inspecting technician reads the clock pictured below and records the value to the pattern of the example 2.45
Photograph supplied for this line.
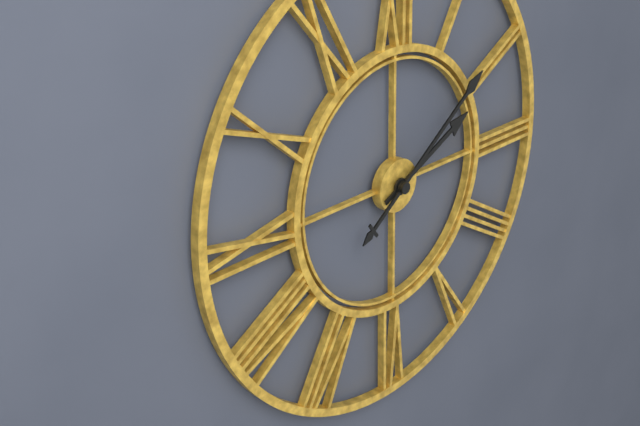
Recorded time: 2.09
